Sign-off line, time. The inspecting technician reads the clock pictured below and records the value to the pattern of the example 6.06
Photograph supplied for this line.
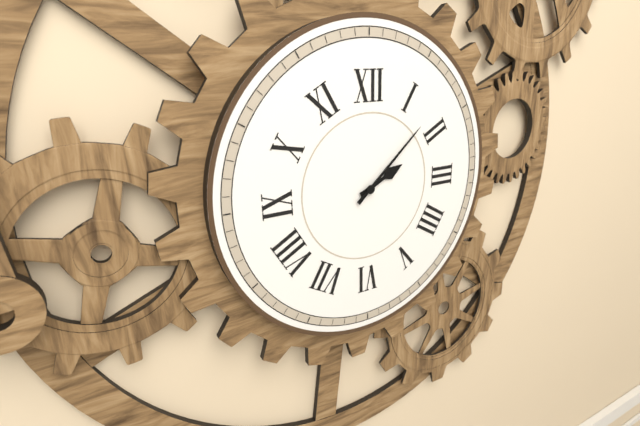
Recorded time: 2.08
